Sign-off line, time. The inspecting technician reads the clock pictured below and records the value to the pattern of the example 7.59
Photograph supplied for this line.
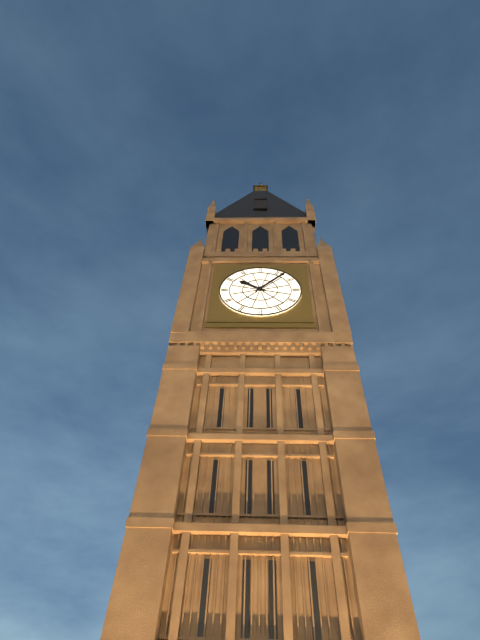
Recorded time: 10.07
